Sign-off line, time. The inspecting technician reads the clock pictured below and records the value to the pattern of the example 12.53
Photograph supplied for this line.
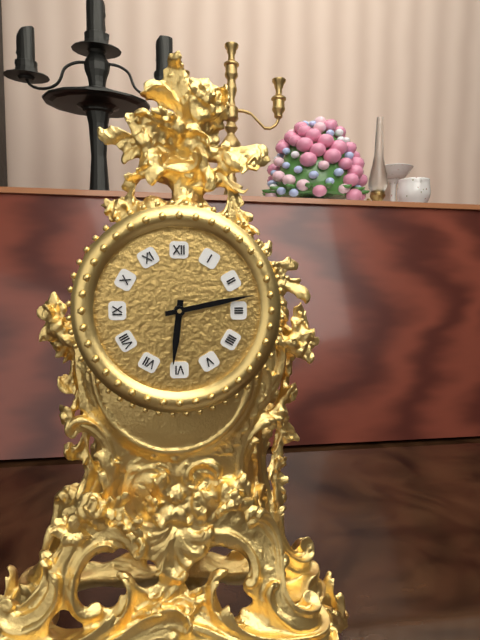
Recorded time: 6.13
